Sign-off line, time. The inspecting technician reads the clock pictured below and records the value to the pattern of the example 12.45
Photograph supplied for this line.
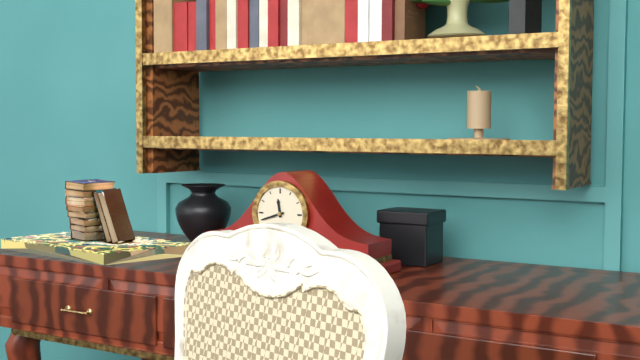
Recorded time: 11.42
